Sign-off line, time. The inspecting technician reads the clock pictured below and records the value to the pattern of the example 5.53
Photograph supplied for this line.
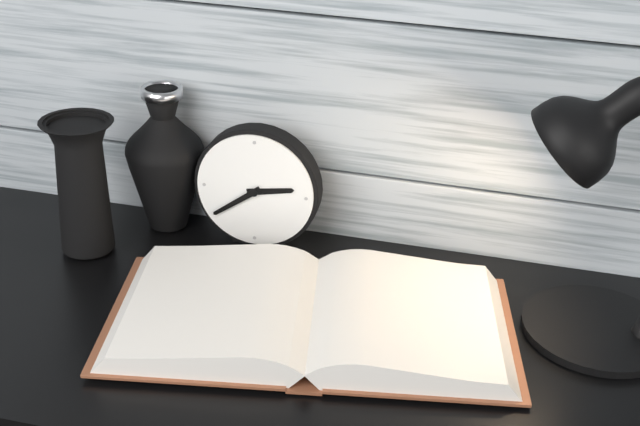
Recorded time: 2.39
